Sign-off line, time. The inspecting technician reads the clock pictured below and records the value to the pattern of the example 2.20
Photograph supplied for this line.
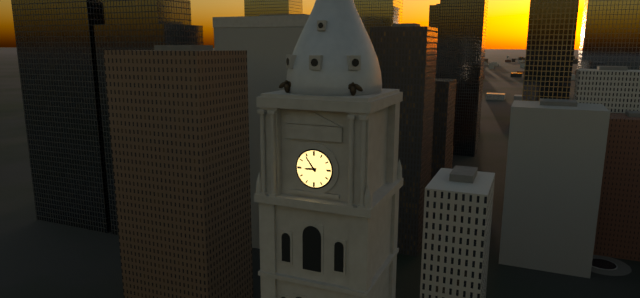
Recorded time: 8.54
